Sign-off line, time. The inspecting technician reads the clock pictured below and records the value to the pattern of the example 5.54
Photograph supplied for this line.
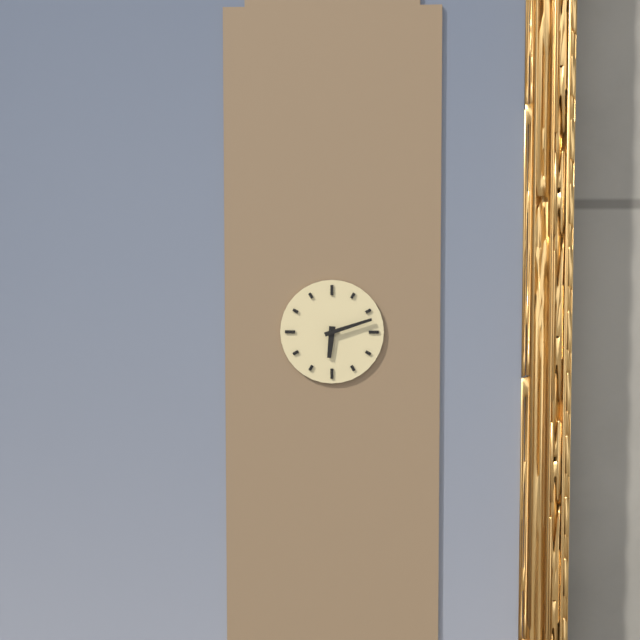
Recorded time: 6.12
